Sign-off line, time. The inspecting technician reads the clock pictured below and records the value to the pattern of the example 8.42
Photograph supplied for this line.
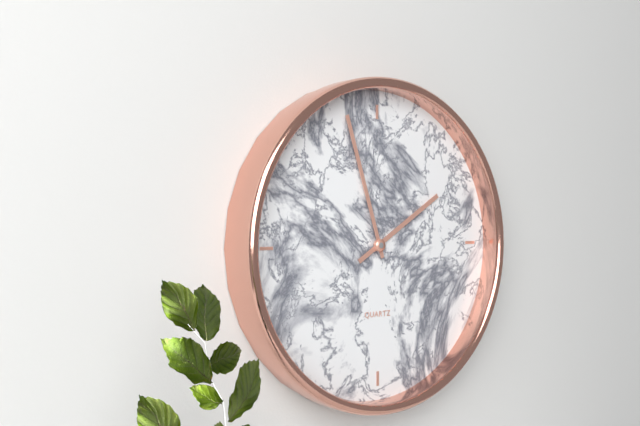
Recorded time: 1.57
